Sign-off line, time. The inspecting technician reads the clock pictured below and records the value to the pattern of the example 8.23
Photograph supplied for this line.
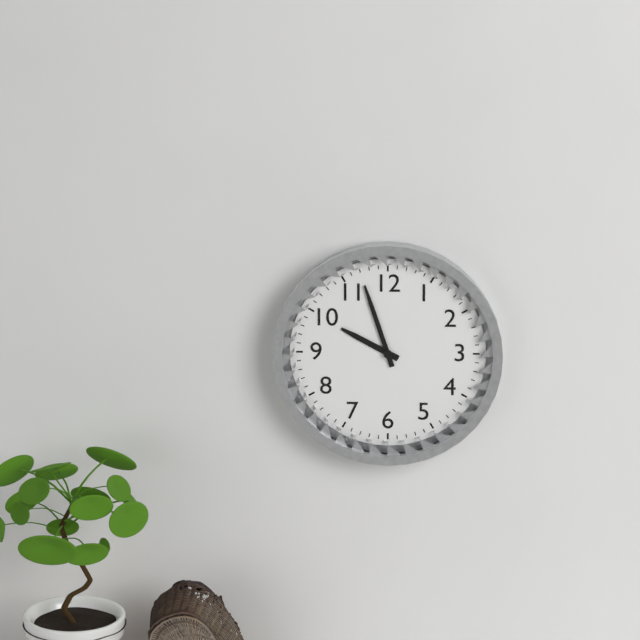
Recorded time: 9.57
